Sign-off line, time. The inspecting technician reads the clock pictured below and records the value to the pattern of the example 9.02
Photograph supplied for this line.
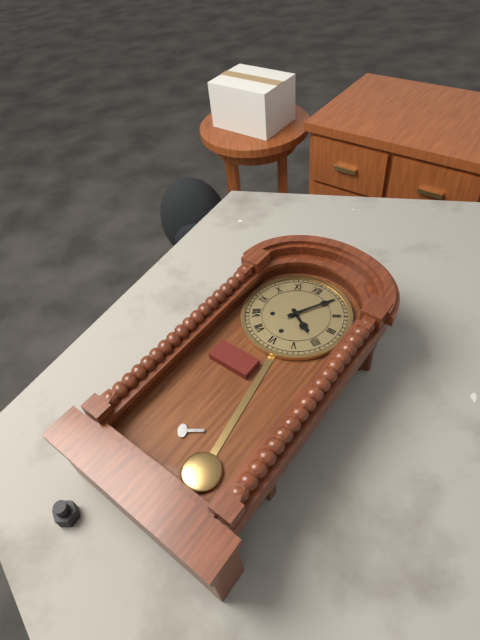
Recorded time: 4.05
